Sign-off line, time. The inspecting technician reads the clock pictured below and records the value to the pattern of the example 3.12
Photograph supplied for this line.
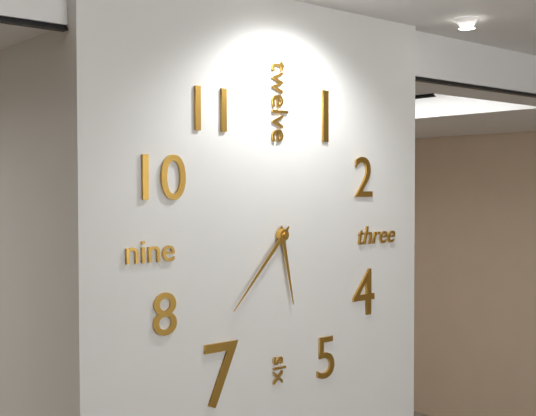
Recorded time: 5.37
